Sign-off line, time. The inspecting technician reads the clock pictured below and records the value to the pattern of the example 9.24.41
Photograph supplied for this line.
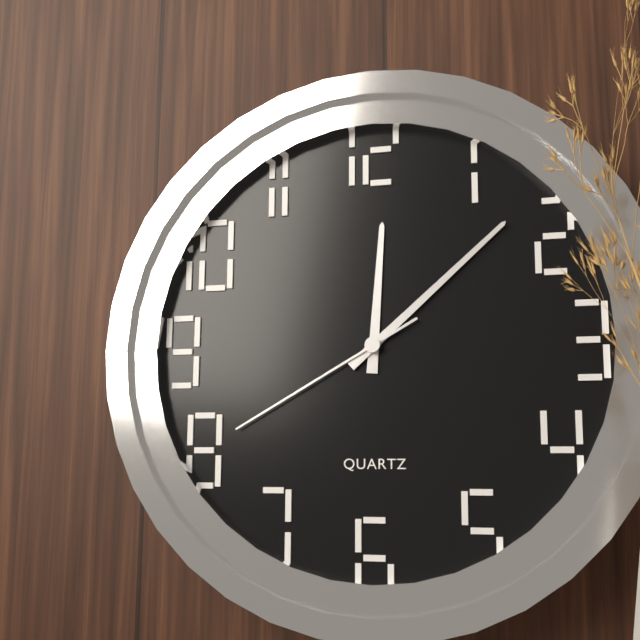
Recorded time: 12.08.40
